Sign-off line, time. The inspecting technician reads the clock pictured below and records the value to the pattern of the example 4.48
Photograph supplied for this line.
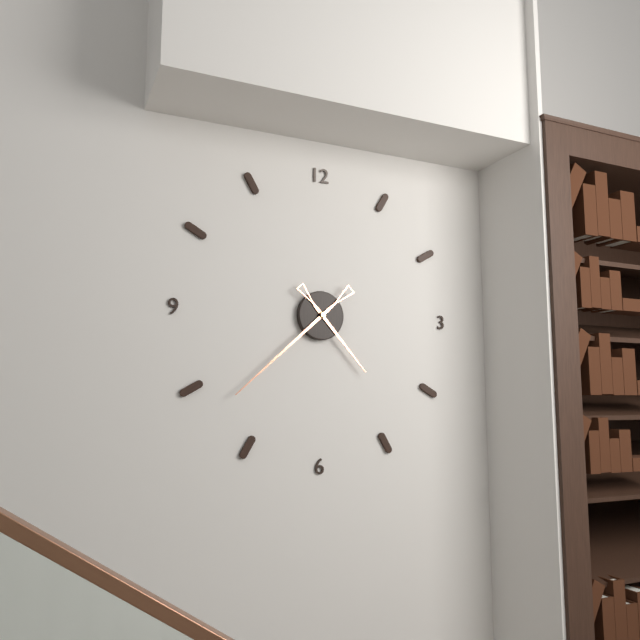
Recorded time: 4.38
